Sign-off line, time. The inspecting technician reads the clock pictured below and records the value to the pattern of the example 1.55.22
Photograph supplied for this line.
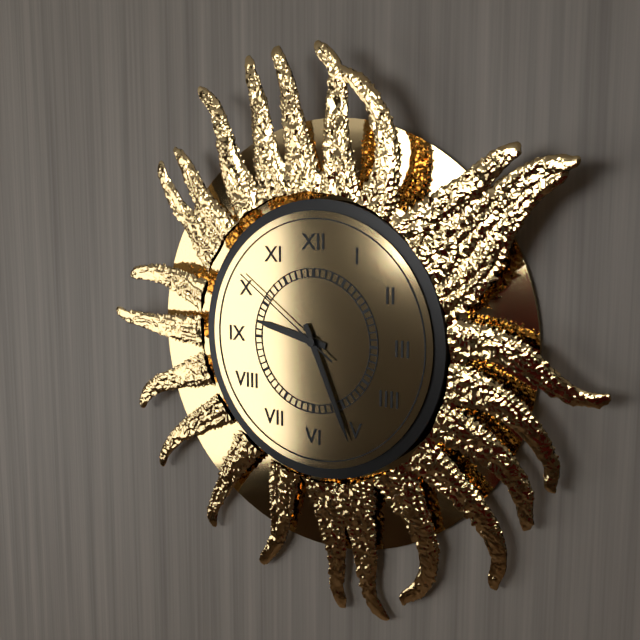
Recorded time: 9.26.51
